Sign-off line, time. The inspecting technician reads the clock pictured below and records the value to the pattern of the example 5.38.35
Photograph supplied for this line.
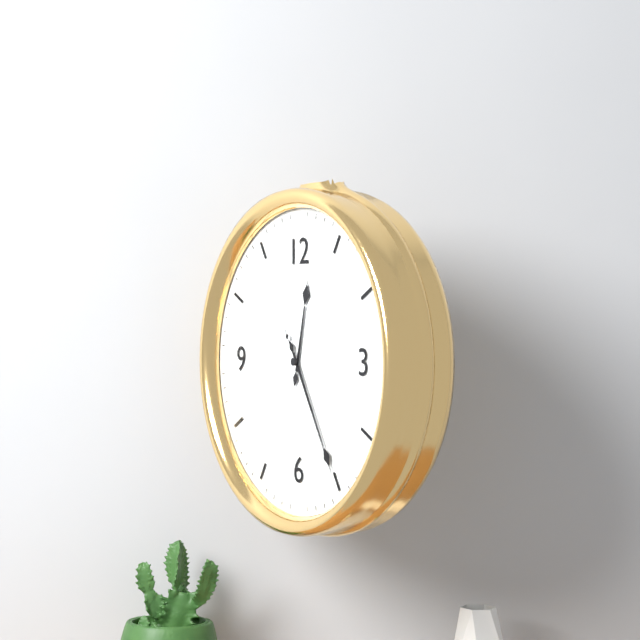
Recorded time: 12.25.25
